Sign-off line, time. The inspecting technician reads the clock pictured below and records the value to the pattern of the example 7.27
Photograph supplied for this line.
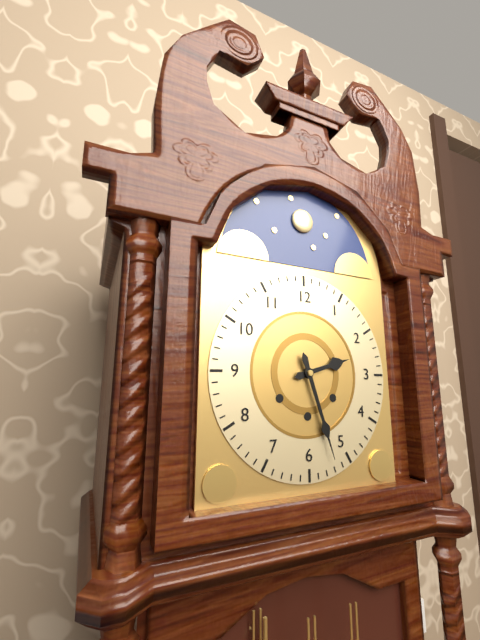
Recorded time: 2.27
